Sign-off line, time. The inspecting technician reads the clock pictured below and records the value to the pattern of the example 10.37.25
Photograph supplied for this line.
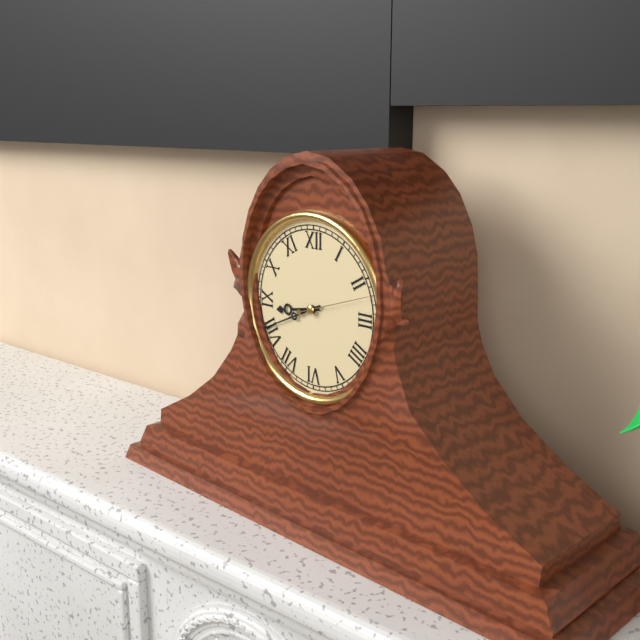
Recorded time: 8.41.12
